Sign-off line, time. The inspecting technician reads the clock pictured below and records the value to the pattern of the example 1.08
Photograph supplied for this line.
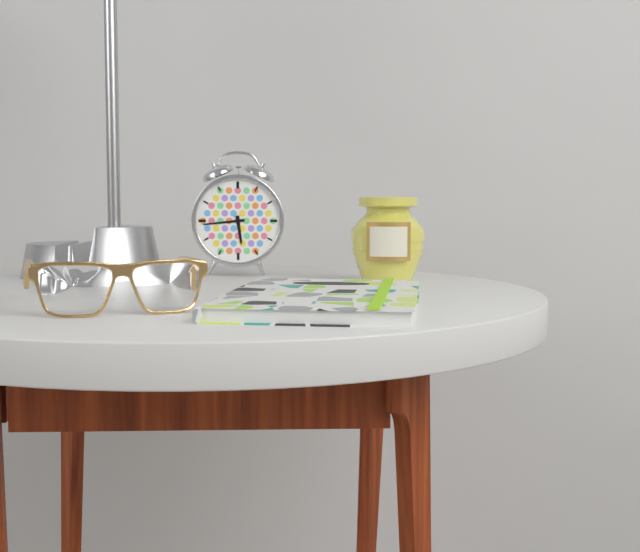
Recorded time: 5.44
